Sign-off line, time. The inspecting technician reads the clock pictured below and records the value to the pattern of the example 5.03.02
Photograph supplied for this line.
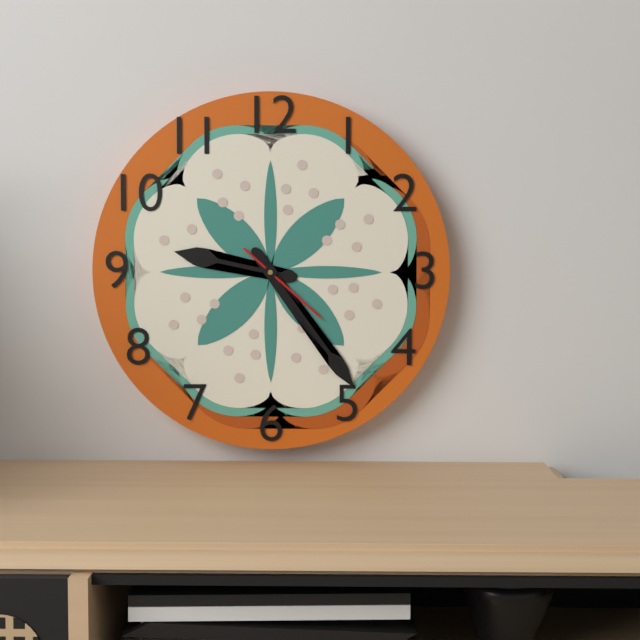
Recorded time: 9.24.22
